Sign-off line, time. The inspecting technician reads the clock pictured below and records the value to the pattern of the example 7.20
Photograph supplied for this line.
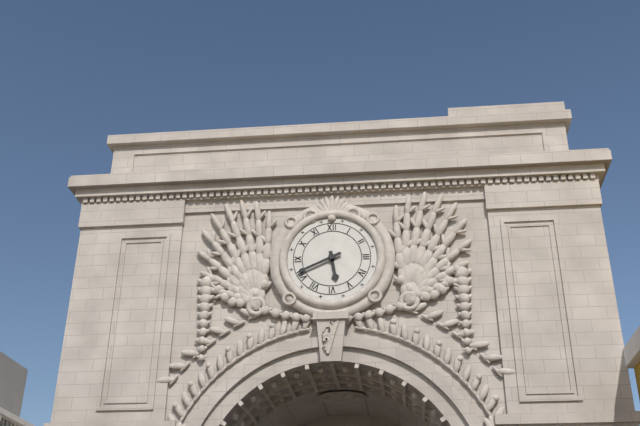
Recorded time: 5.41
